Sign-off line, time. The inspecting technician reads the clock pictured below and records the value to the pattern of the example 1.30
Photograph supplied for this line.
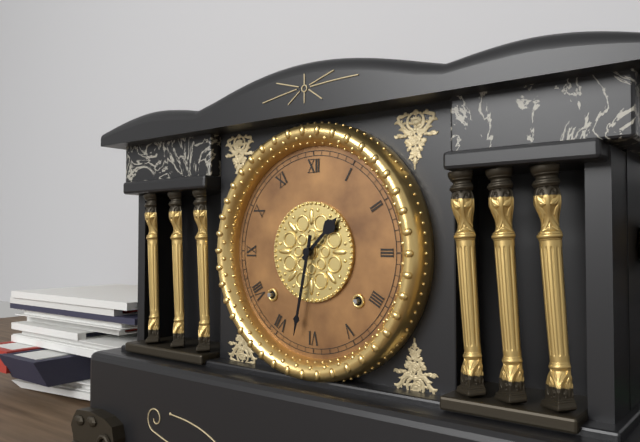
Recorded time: 1.32
